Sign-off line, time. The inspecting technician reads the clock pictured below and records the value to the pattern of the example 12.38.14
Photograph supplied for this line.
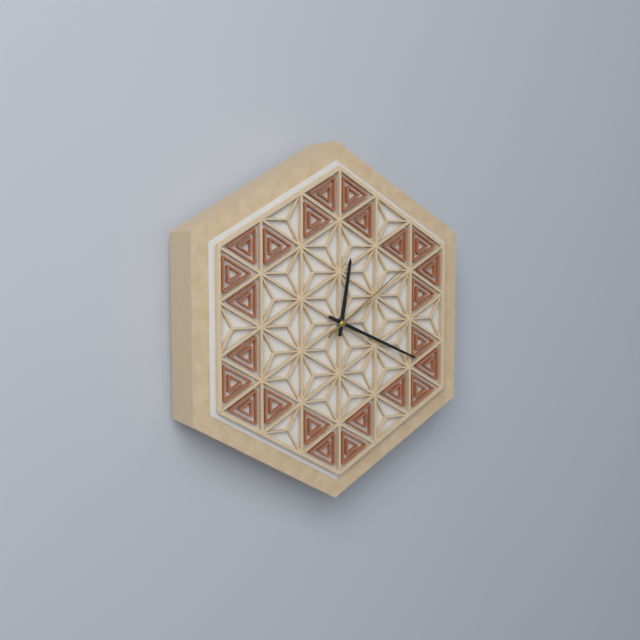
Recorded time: 12.19.09
